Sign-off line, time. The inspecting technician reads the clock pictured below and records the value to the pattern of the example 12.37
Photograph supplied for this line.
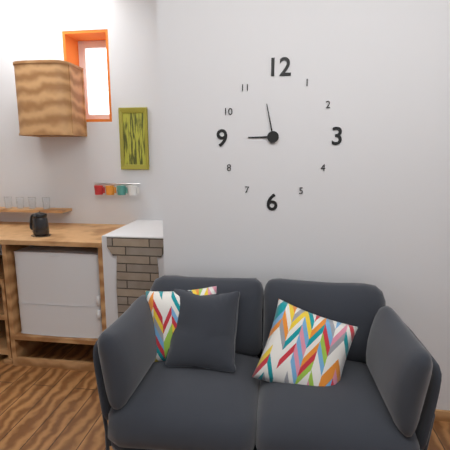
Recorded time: 8.58
